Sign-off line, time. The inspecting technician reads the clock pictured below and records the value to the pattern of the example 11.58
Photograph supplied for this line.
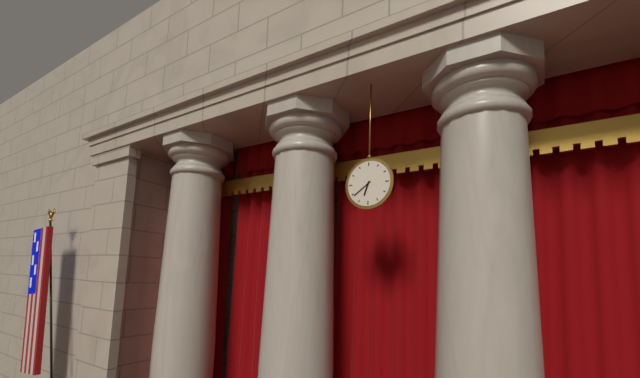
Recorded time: 6.39
